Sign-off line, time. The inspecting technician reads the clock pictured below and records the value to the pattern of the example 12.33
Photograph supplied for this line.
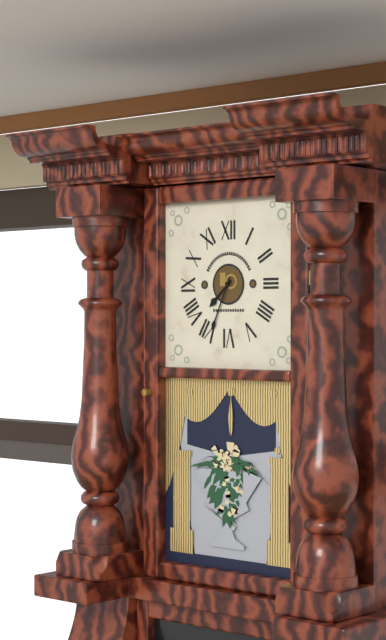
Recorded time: 7.34
